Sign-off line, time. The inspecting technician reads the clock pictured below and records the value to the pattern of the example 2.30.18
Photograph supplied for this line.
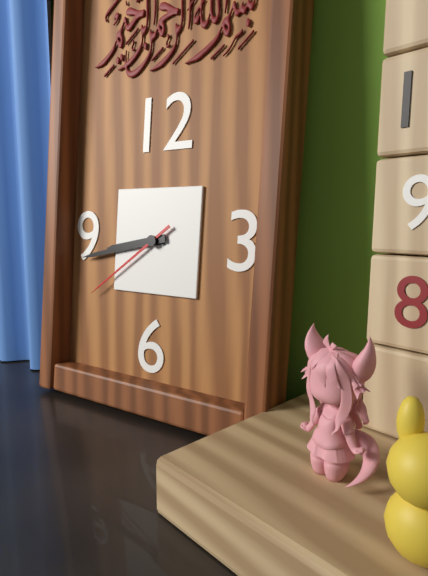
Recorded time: 8.43.39
